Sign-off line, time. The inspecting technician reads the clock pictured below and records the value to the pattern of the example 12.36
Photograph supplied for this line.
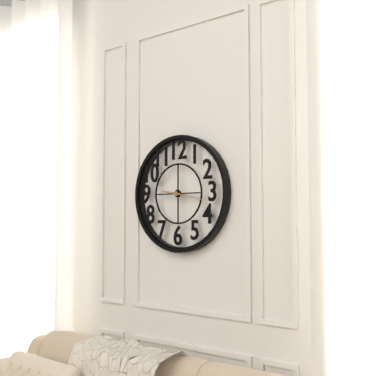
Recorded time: 9.17
